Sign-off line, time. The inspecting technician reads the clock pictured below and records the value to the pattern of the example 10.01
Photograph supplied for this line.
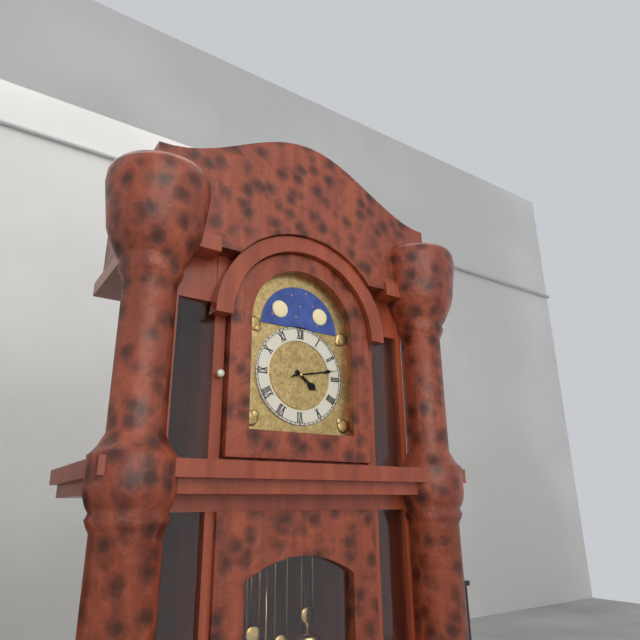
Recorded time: 4.13
